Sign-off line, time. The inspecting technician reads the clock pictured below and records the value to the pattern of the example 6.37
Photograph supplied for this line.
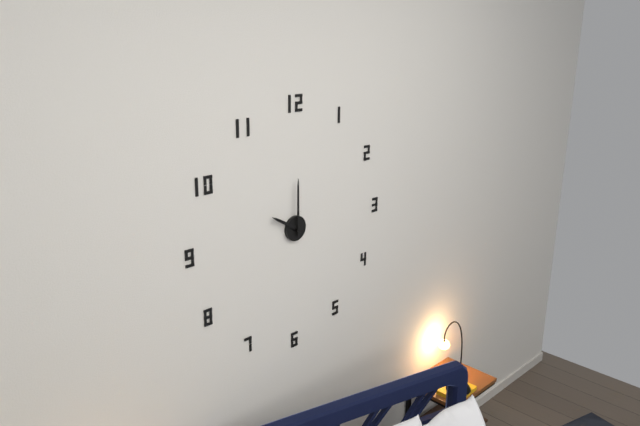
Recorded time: 10.00
